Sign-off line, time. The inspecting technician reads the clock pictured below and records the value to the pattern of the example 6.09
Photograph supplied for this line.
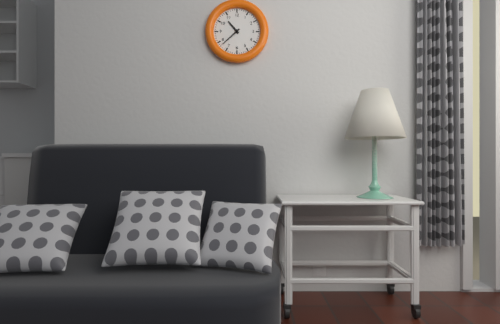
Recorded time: 10.38
